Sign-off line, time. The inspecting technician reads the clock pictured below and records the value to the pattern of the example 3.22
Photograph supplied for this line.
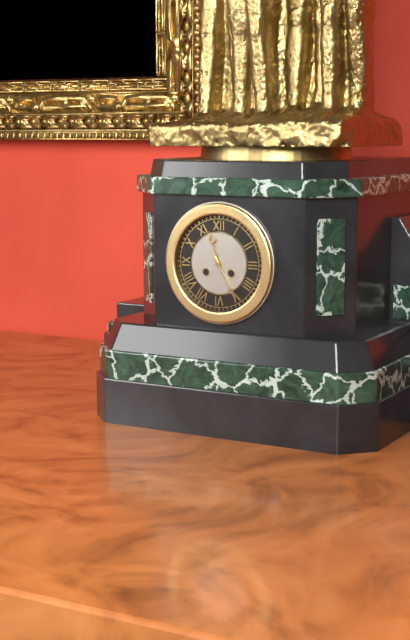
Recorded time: 11.25
